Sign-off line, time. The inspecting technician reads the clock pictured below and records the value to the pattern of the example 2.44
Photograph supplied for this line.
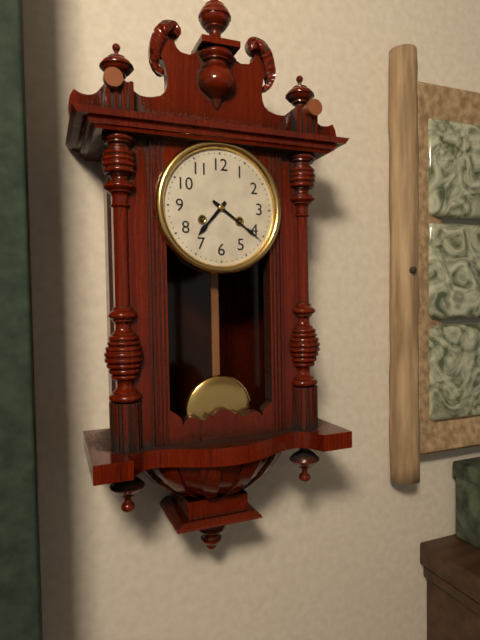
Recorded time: 7.21
